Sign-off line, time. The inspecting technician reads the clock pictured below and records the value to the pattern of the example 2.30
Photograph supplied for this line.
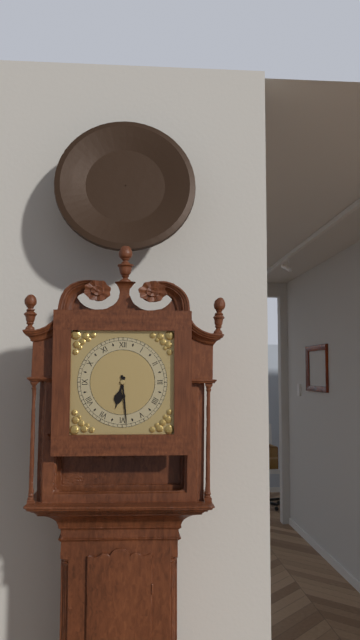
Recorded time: 6.29
